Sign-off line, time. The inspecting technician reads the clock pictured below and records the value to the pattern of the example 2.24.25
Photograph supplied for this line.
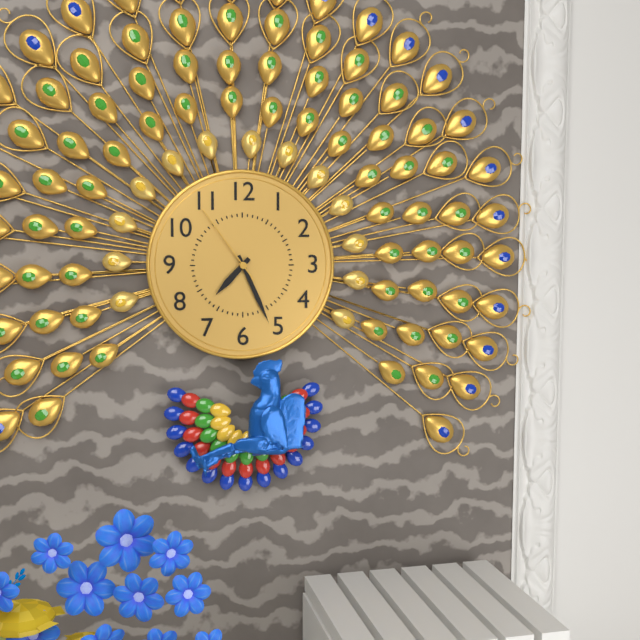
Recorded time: 7.26.54
